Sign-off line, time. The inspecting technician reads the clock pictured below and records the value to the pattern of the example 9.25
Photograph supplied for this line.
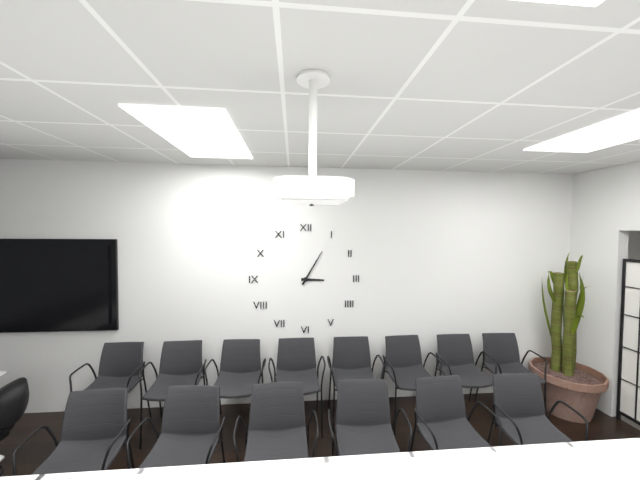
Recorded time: 3.05
